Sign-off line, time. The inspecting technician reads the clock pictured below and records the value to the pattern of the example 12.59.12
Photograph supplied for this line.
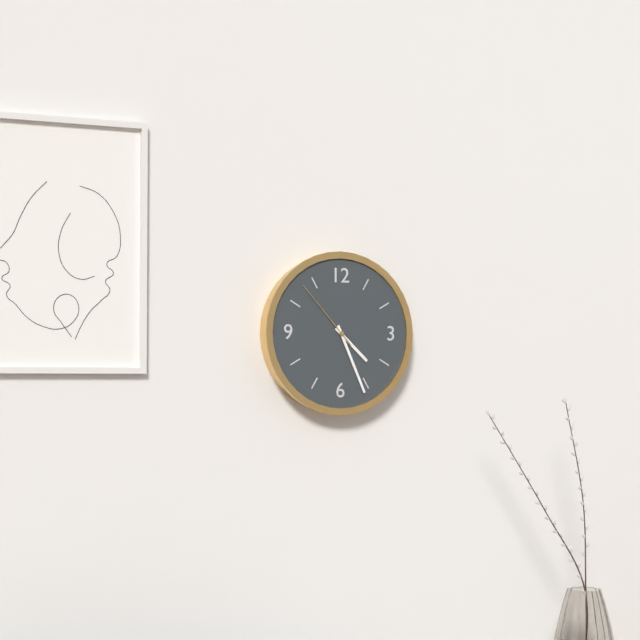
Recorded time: 4.26.53
